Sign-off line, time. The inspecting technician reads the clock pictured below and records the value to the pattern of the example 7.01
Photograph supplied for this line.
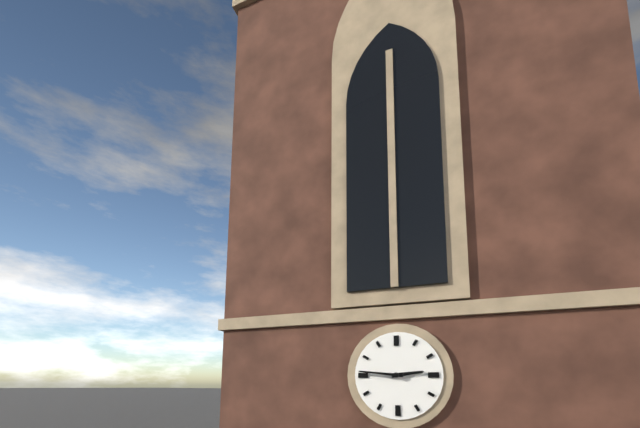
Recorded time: 2.46
